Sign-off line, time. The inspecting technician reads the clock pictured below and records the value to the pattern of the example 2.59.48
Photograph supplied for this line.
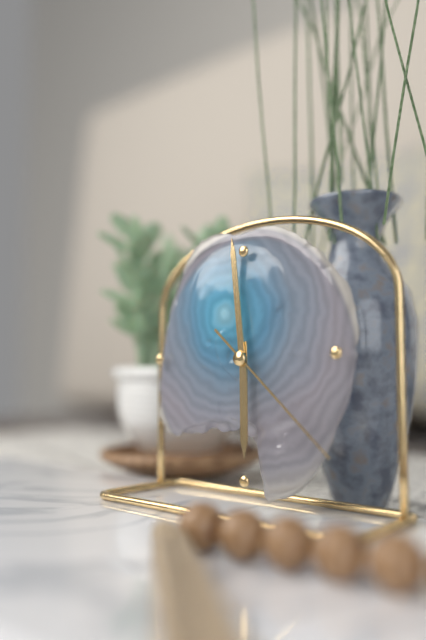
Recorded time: 5.59.22
